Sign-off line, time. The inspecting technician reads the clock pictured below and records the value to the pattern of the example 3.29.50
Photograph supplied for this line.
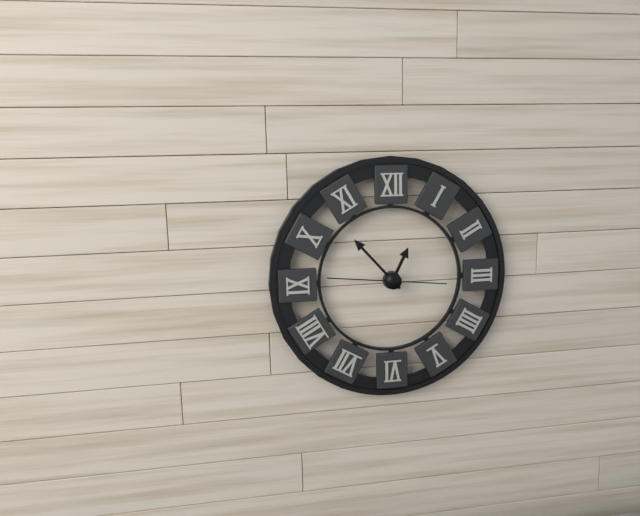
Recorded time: 12.53.46
